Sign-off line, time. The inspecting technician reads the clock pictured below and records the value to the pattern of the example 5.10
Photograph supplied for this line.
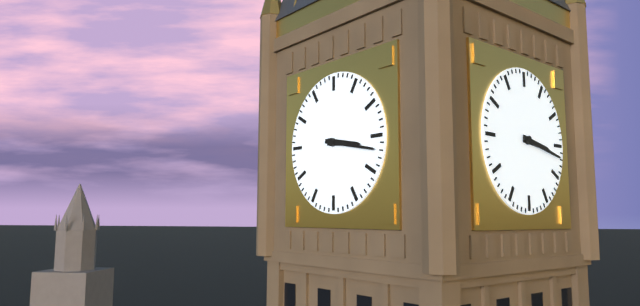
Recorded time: 3.17
